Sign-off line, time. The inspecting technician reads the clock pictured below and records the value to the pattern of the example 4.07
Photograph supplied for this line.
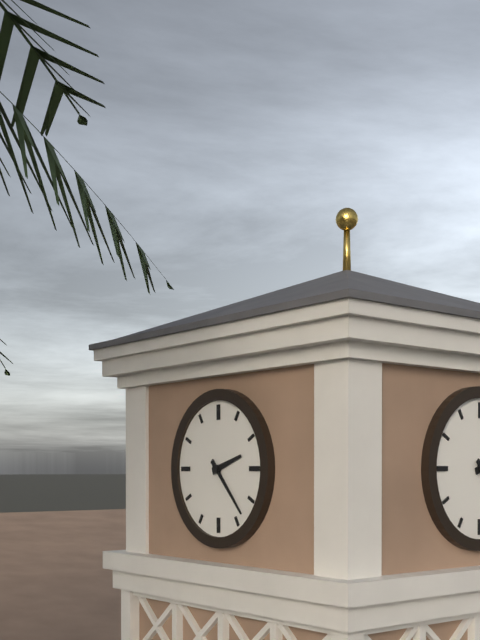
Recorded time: 2.23
